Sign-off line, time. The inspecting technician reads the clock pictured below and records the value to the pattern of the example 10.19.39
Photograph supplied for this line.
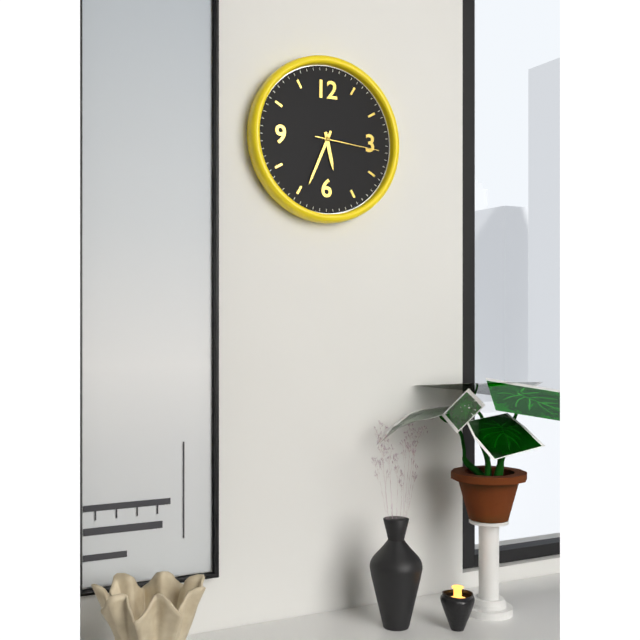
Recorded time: 5.34.16
